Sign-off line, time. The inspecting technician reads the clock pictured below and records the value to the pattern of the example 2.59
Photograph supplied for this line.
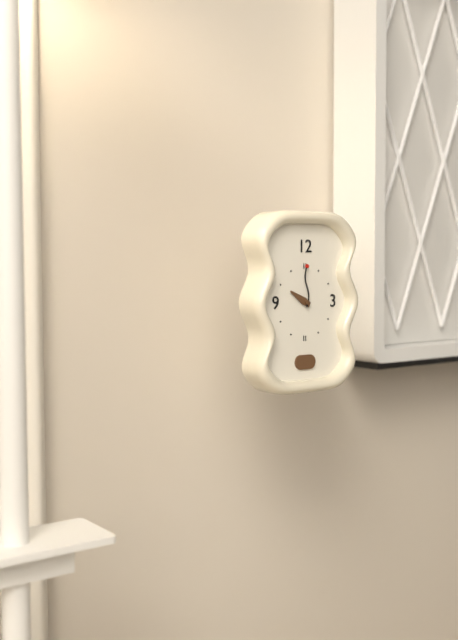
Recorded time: 10.00
